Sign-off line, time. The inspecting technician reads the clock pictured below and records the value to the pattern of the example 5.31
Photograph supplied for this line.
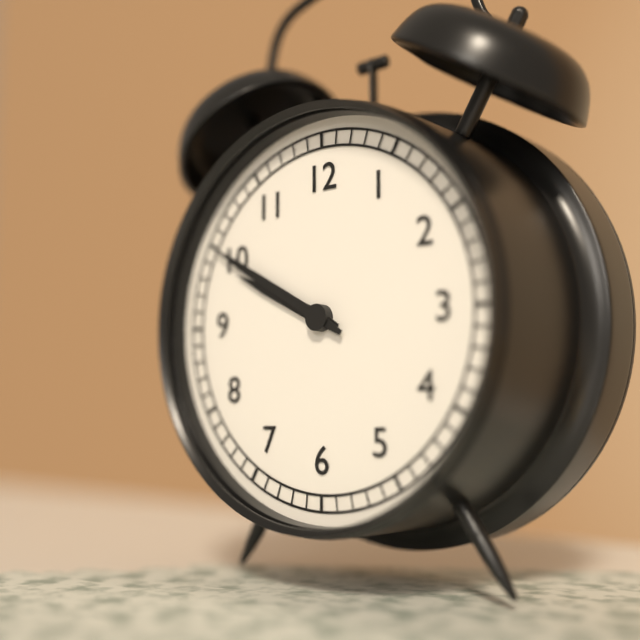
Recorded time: 9.50
